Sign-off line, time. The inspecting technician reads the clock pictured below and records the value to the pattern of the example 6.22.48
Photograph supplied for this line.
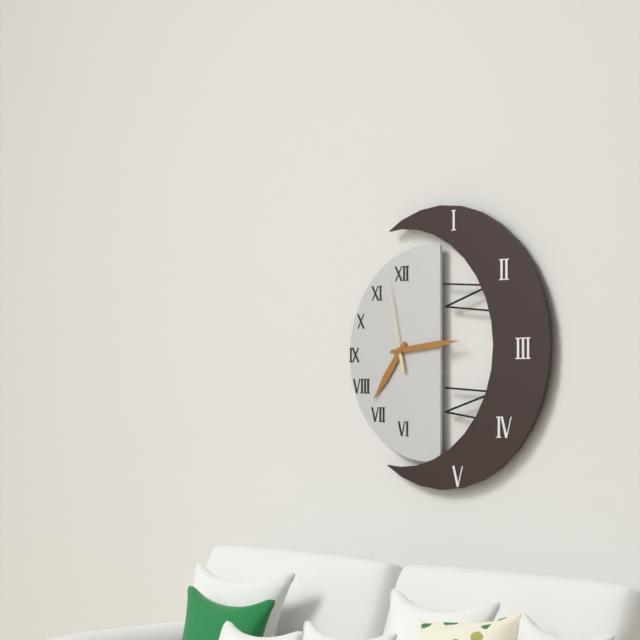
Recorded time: 7.14.58
